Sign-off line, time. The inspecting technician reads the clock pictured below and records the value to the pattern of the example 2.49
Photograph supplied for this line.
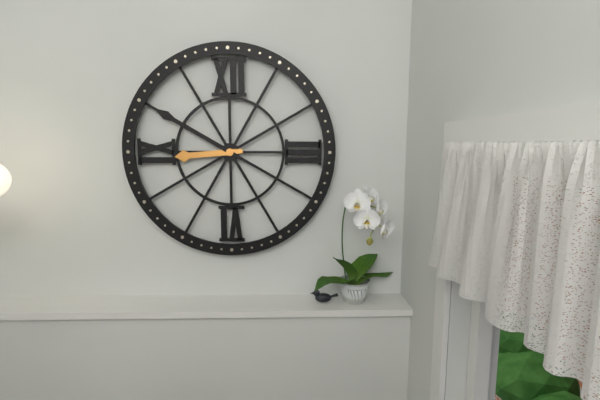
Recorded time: 8.50
